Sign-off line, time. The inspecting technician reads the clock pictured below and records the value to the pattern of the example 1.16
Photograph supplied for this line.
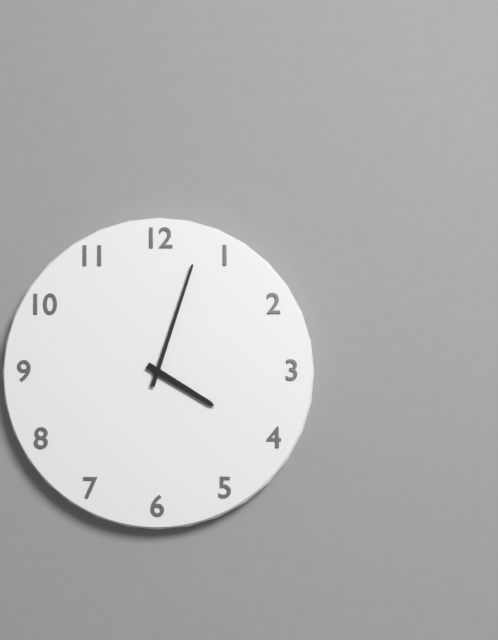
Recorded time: 4.03
